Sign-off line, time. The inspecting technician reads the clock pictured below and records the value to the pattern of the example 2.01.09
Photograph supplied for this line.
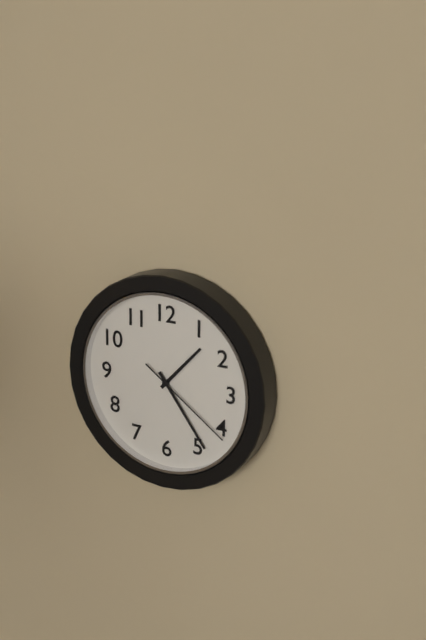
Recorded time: 1.24.21
